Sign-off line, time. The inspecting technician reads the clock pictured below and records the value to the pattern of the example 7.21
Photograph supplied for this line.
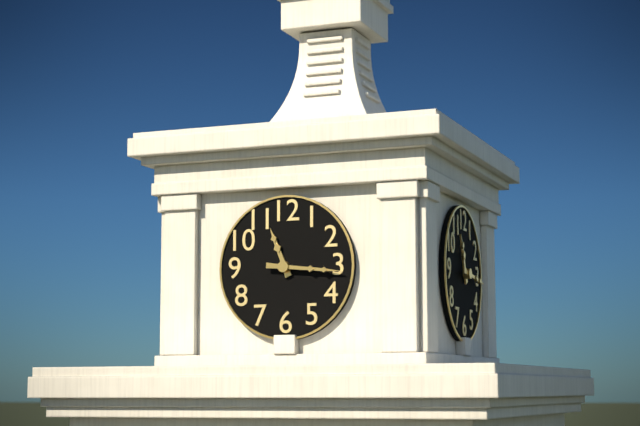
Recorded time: 11.16
